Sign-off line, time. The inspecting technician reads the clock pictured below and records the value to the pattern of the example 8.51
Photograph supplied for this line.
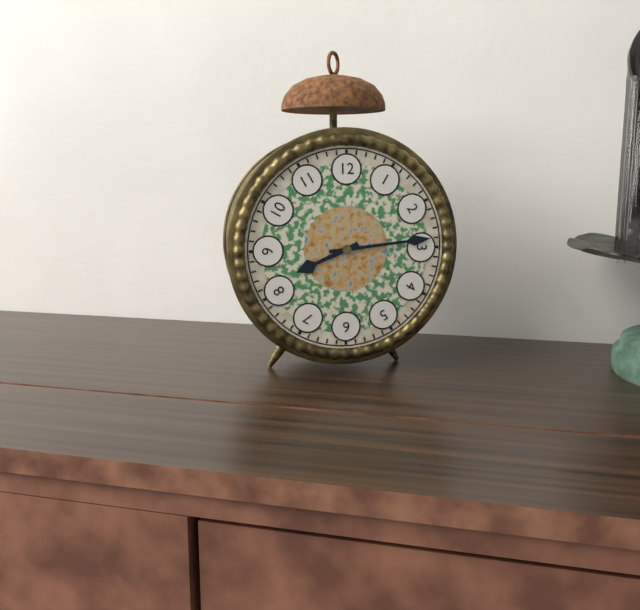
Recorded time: 8.14
